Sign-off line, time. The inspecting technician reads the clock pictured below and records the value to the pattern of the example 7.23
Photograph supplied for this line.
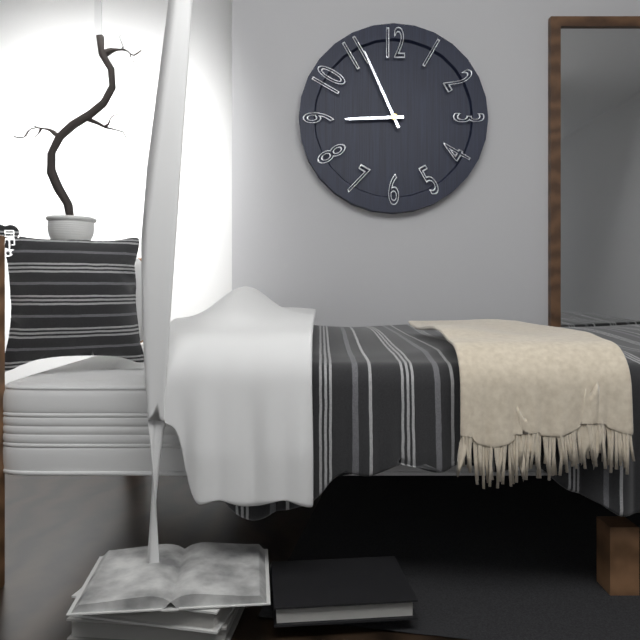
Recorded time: 8.56
